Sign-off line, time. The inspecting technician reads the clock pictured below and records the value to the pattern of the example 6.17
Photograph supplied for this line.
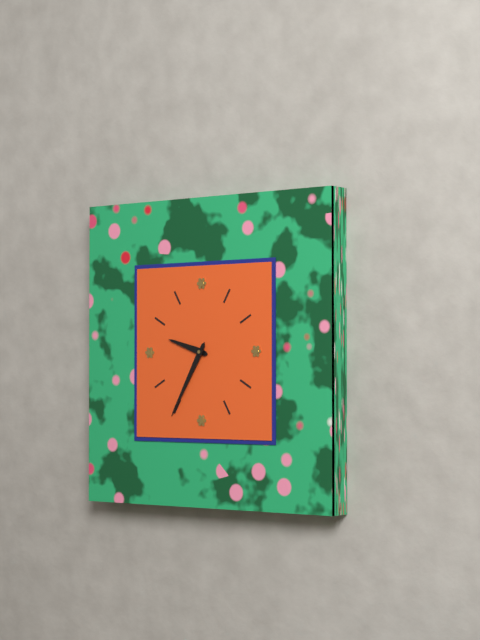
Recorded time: 9.35
